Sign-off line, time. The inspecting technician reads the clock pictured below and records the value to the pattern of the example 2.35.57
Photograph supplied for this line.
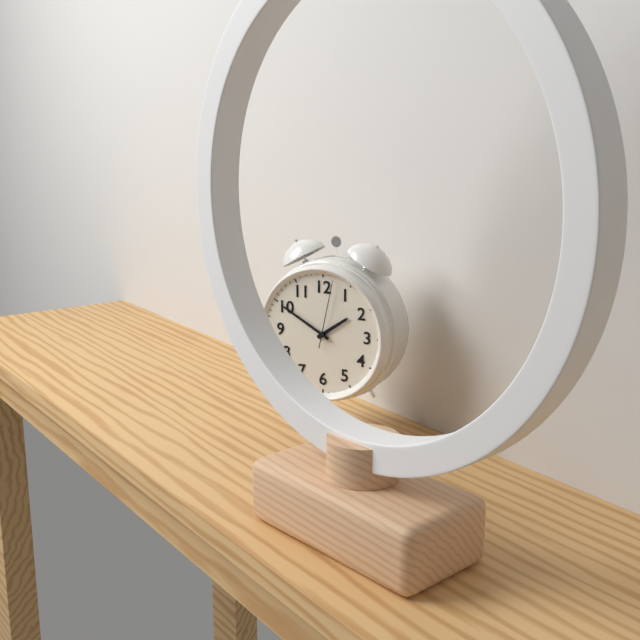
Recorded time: 1.50.02
